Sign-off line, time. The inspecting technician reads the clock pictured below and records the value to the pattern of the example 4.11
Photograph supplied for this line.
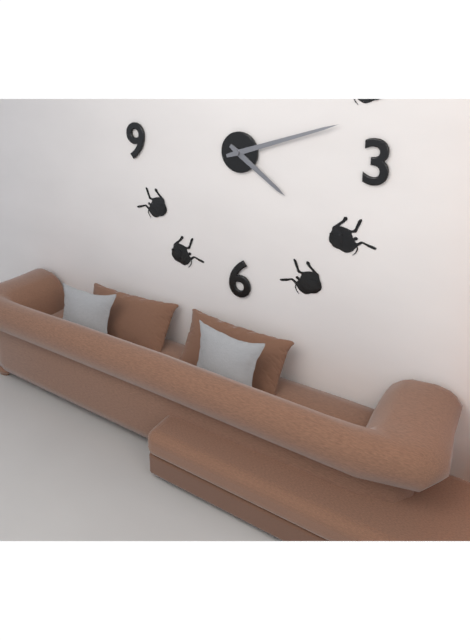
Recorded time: 4.12
